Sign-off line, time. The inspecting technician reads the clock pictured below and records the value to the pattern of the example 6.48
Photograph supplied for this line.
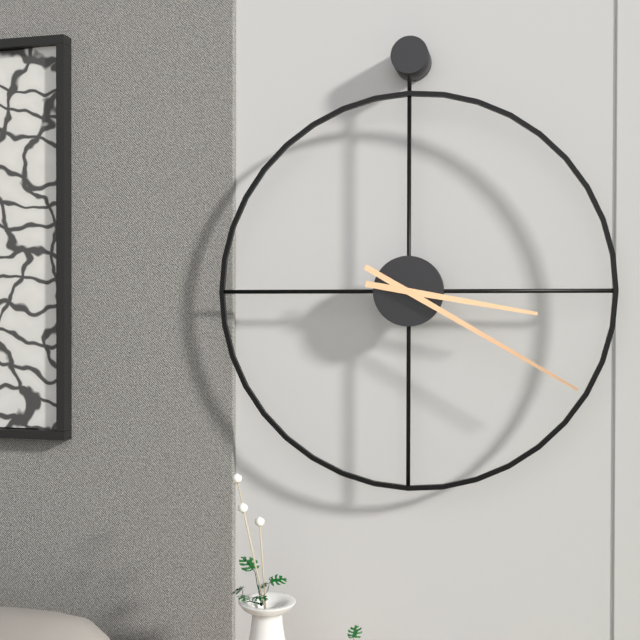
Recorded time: 3.20
